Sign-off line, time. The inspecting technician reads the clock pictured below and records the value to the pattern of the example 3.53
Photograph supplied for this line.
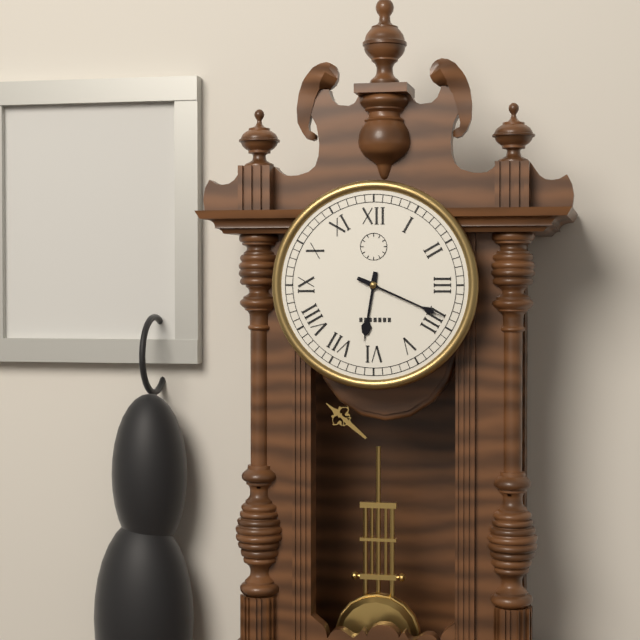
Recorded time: 6.19
